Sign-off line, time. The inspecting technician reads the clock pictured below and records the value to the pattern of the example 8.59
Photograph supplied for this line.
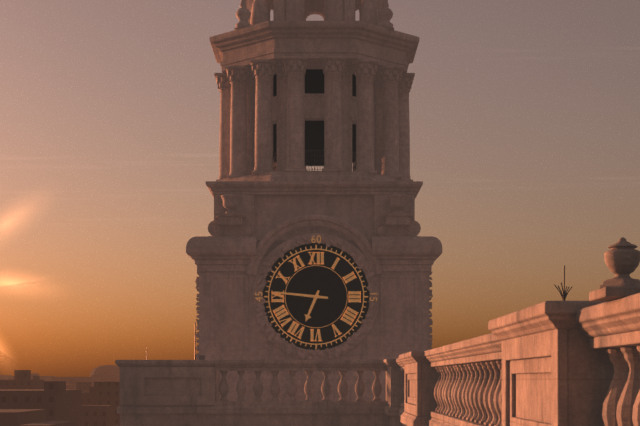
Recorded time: 6.46
